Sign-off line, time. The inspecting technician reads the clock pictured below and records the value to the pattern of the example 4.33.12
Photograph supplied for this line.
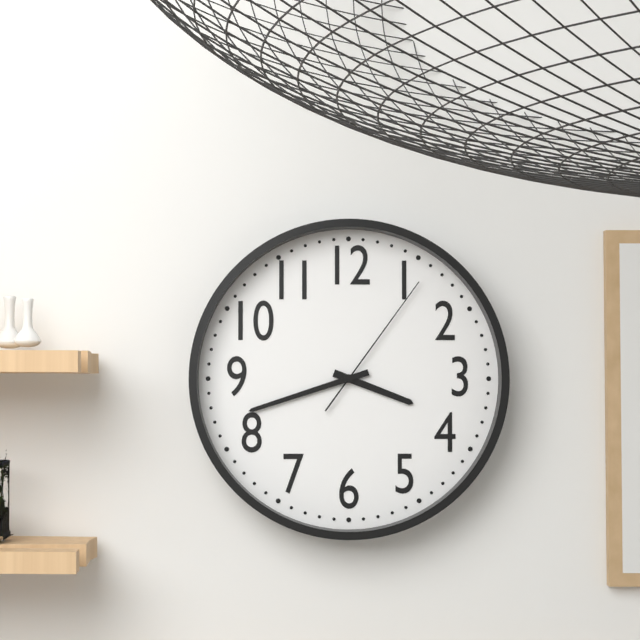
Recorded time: 3.42.06
